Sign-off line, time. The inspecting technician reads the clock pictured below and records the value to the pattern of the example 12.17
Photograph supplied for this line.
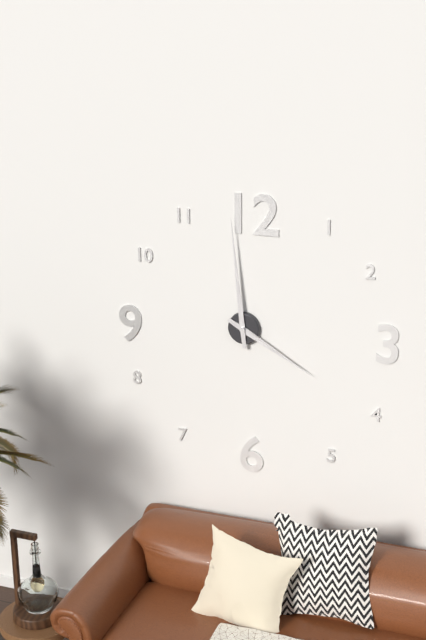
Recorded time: 3.59
